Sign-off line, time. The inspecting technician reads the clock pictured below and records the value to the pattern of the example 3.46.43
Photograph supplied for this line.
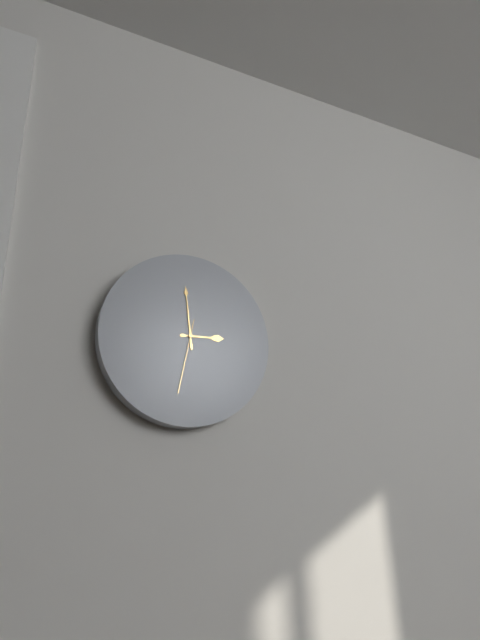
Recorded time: 2.59.32
